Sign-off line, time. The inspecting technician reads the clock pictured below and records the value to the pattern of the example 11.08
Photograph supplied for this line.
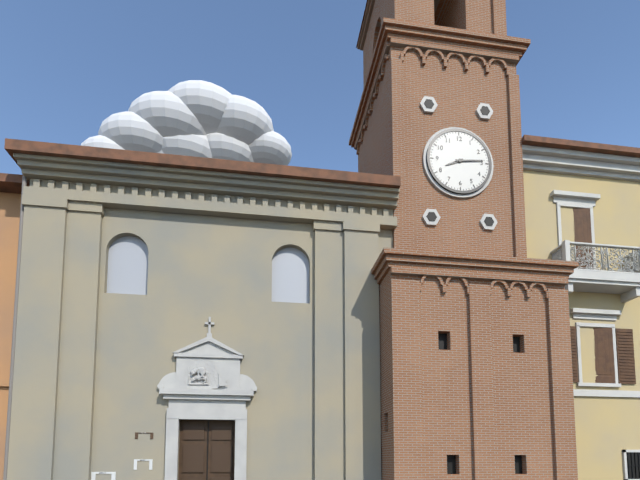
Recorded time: 8.14
